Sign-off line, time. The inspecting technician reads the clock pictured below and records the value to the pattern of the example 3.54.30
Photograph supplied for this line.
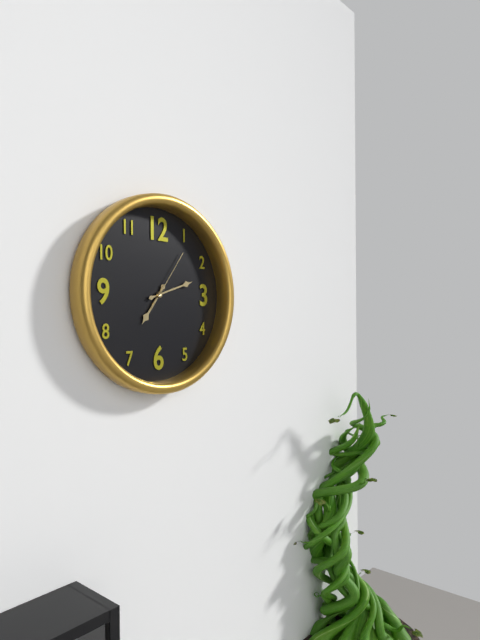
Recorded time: 7.12.06
